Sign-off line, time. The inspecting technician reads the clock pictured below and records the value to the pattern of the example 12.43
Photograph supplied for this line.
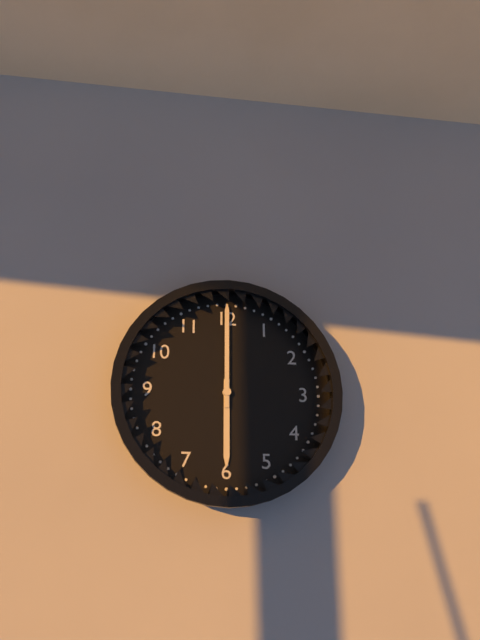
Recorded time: 6.00
